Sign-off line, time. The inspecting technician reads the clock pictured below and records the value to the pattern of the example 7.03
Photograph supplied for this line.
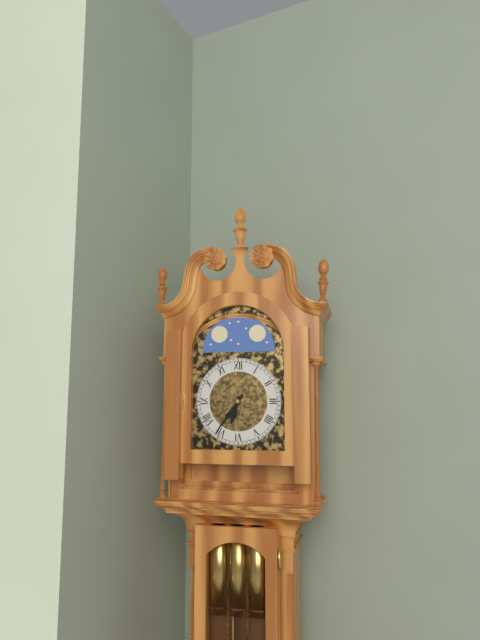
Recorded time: 6.36
